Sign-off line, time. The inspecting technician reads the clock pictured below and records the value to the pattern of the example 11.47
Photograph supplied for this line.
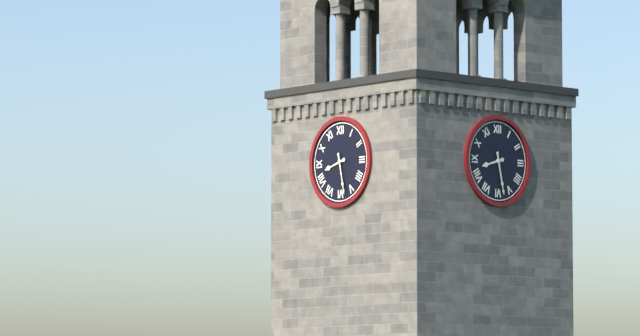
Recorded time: 8.28
